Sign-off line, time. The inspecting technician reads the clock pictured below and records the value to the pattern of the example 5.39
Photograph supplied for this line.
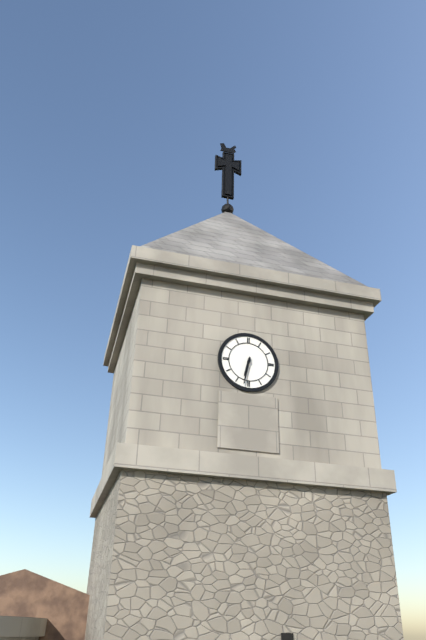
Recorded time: 6.32
